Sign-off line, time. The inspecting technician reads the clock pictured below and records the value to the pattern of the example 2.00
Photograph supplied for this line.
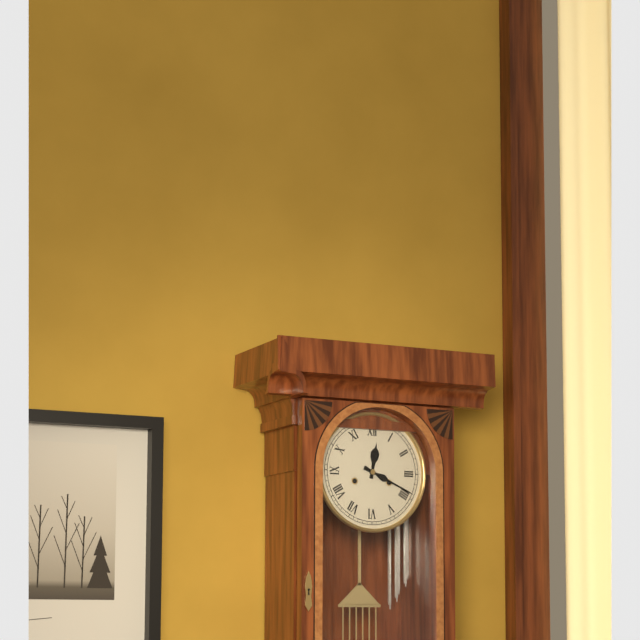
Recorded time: 12.19
